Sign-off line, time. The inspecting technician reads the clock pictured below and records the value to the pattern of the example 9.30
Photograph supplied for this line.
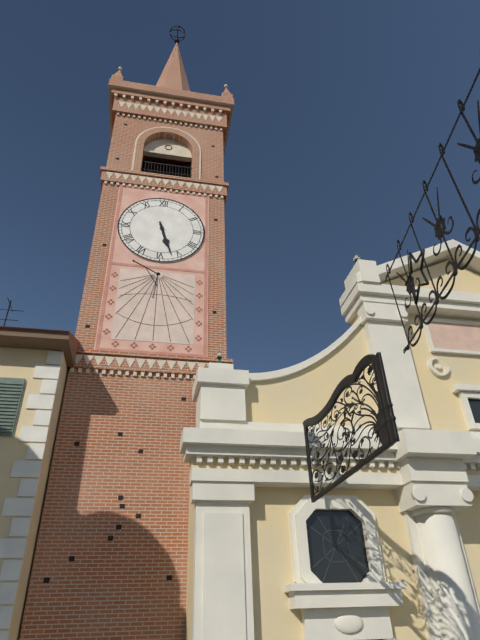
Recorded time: 5.27
